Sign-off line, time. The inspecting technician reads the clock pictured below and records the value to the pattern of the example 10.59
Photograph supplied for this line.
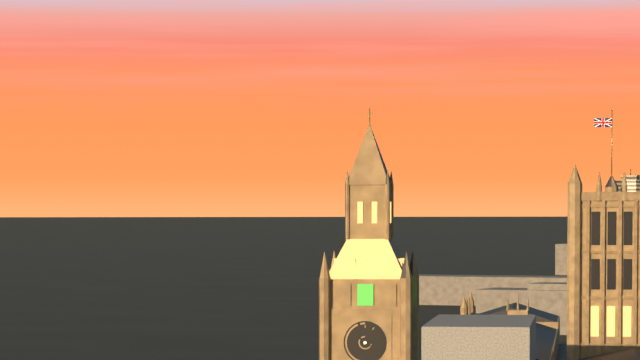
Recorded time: 10.20
